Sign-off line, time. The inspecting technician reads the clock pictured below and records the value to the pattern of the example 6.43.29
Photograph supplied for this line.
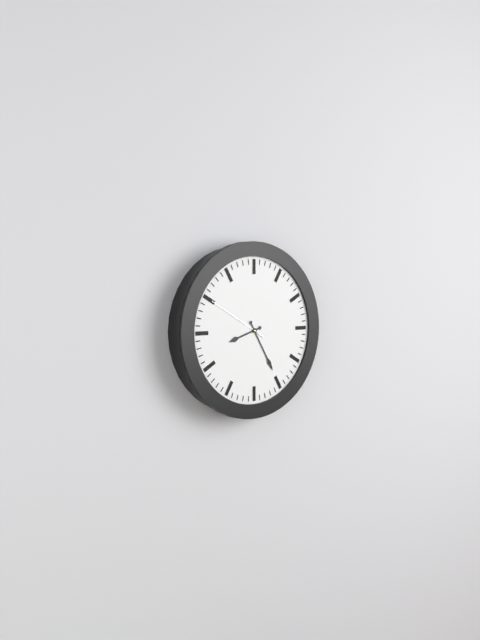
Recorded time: 8.25.50
